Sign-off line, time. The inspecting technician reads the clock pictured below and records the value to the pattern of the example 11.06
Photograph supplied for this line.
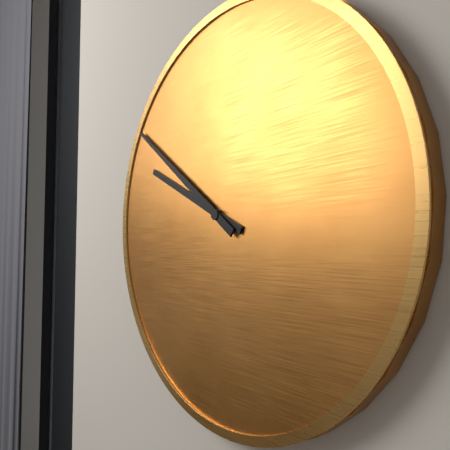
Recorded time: 9.51
